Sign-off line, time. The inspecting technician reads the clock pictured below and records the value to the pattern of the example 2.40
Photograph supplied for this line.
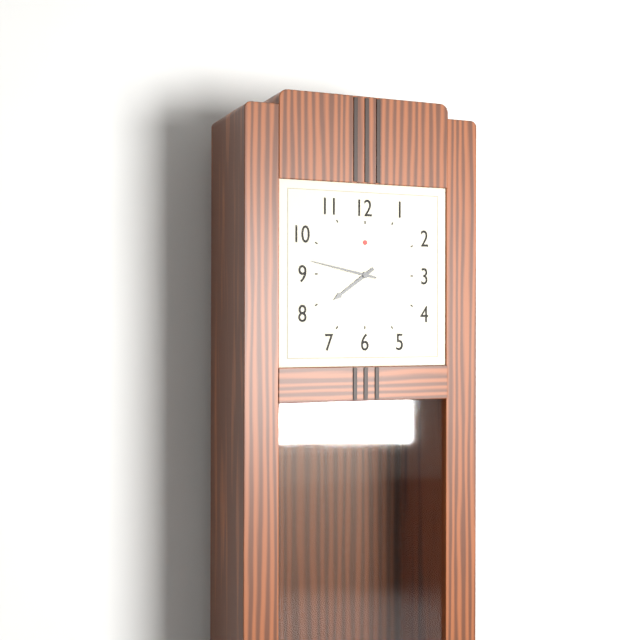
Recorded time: 7.47
